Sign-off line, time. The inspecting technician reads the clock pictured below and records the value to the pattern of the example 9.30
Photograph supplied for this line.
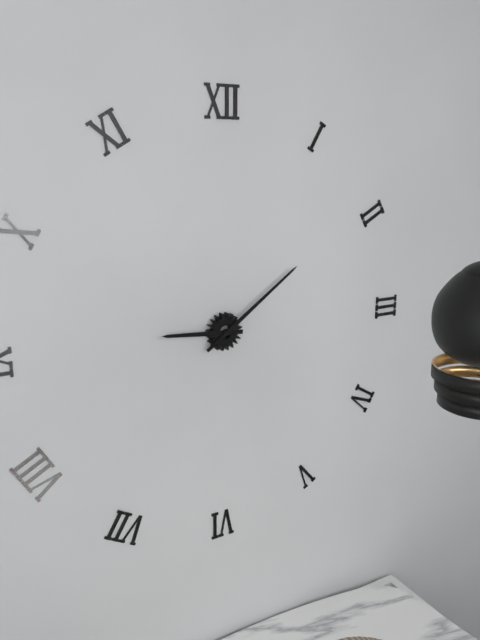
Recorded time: 9.09
